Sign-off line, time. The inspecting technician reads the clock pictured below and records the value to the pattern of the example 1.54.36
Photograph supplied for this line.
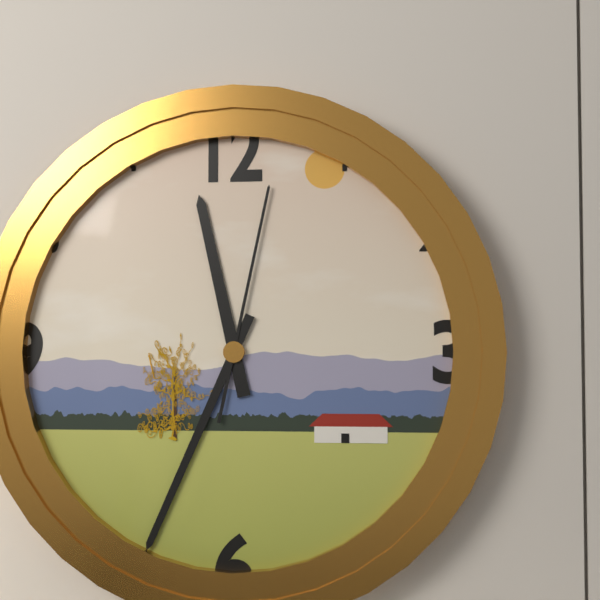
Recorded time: 11.34.02
